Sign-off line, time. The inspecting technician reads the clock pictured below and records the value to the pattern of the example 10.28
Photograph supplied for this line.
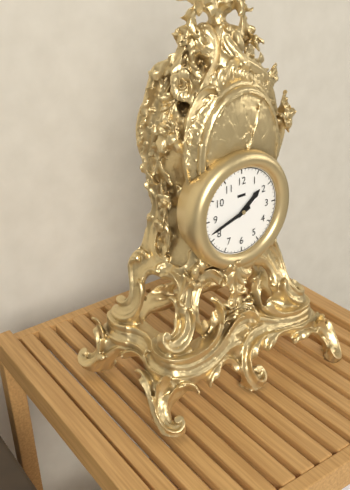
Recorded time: 1.42
